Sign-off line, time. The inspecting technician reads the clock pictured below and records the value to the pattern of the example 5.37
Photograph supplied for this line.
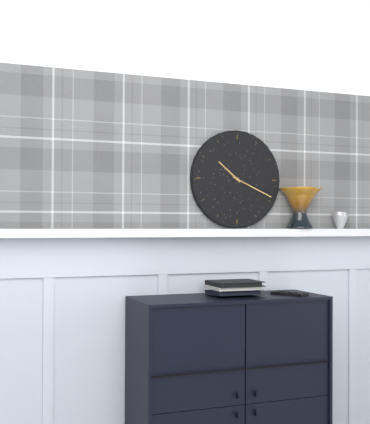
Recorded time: 10.19
